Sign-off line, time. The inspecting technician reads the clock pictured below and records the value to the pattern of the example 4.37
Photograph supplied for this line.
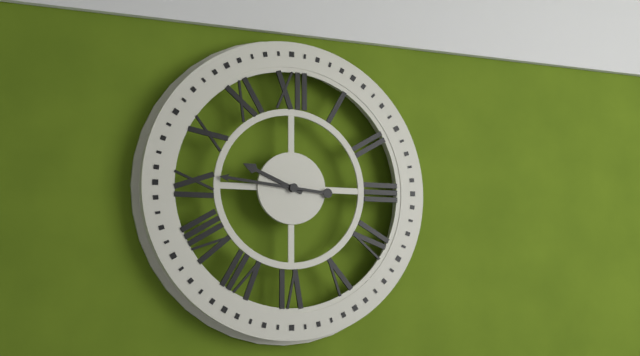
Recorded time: 9.46
